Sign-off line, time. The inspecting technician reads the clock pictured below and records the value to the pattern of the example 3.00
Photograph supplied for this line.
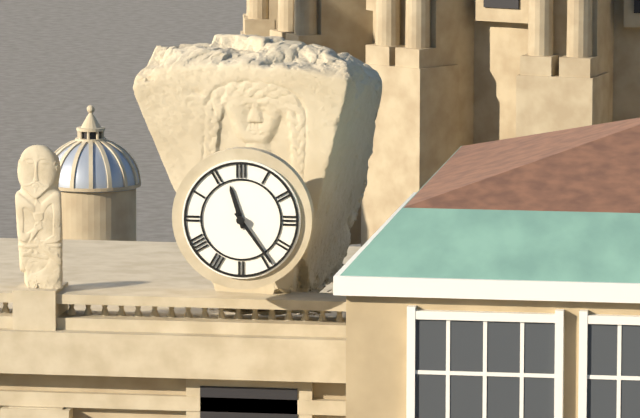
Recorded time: 11.24
